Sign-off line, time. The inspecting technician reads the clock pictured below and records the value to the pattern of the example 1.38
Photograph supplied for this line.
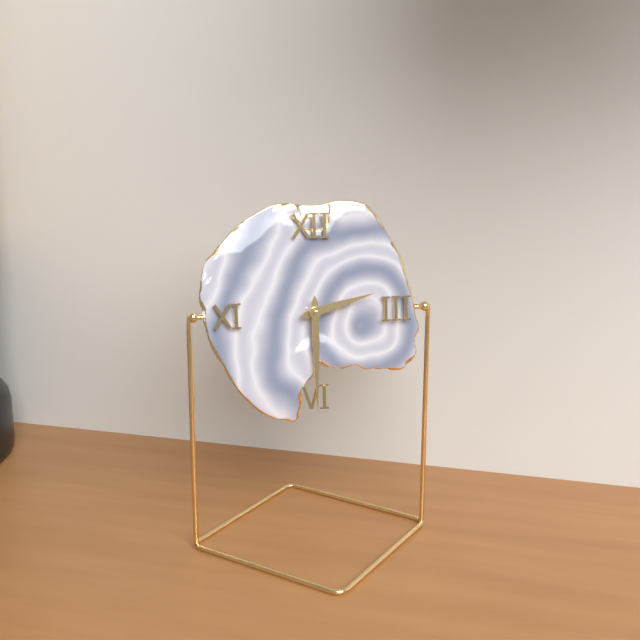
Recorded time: 2.30
